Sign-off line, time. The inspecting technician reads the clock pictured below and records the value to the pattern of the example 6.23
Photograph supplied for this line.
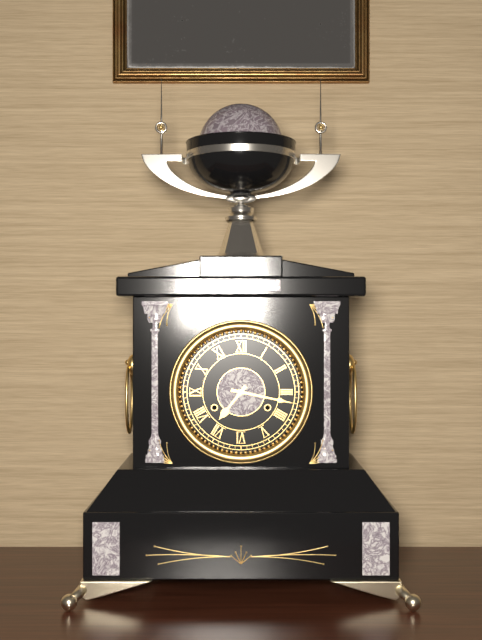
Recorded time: 7.17
